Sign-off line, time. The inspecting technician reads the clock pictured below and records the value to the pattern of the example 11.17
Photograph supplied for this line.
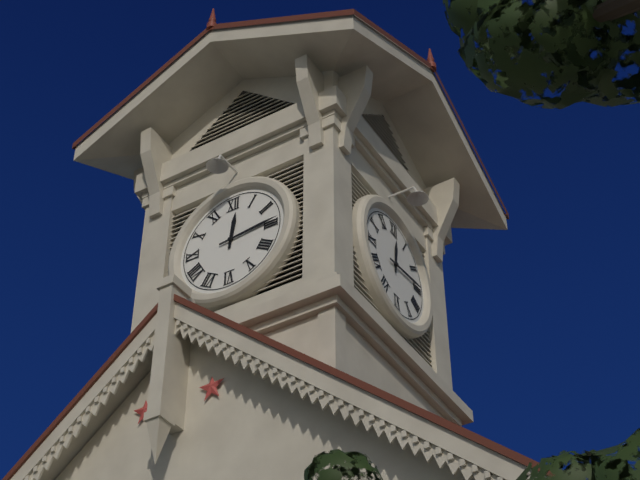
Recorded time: 12.14
